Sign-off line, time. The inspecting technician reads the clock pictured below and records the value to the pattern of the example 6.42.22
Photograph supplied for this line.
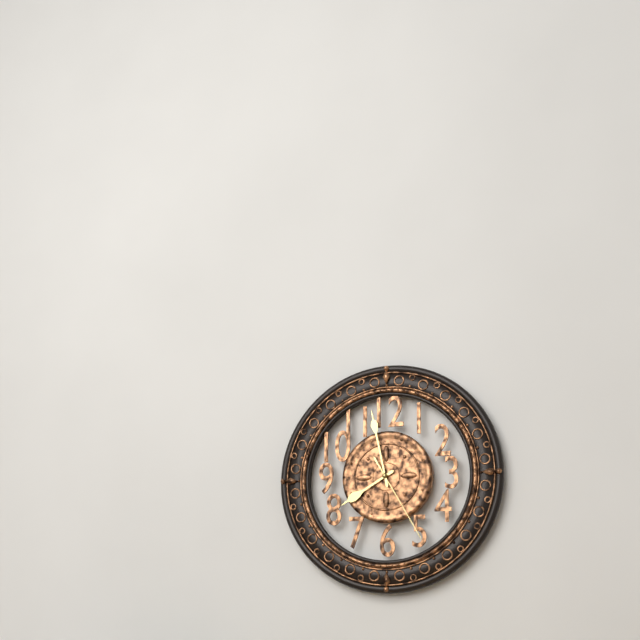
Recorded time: 7.58.25
